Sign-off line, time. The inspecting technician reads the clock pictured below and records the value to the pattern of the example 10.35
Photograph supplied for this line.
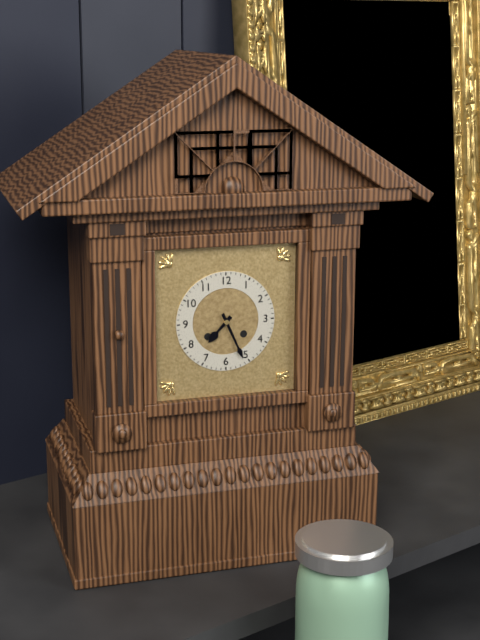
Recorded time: 7.26
